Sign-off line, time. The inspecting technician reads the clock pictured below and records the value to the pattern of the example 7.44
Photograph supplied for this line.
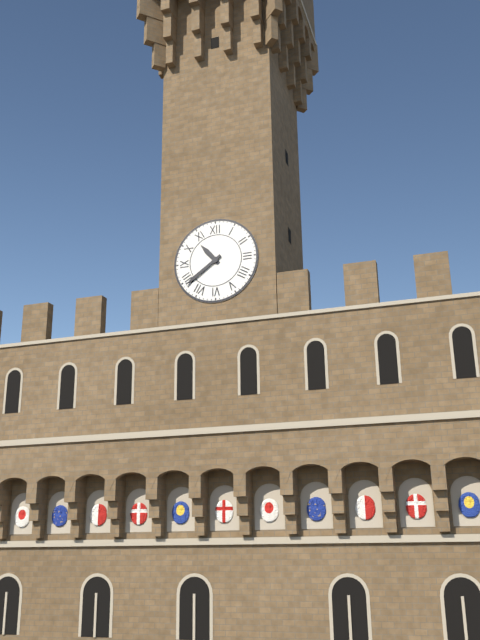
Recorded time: 10.39
